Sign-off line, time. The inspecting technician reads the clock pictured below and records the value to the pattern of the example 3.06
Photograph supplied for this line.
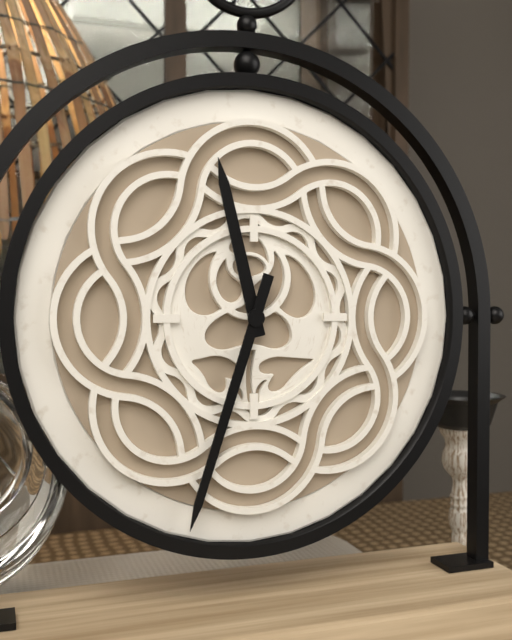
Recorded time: 11.33
